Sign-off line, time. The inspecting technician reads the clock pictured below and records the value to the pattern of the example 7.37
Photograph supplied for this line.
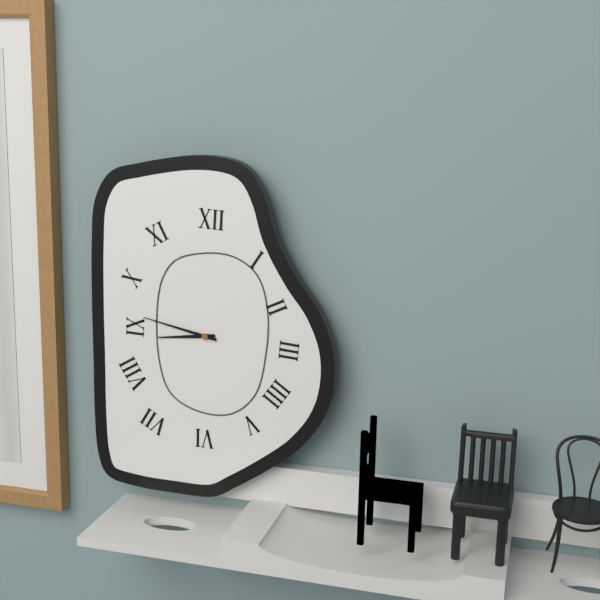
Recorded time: 8.47
